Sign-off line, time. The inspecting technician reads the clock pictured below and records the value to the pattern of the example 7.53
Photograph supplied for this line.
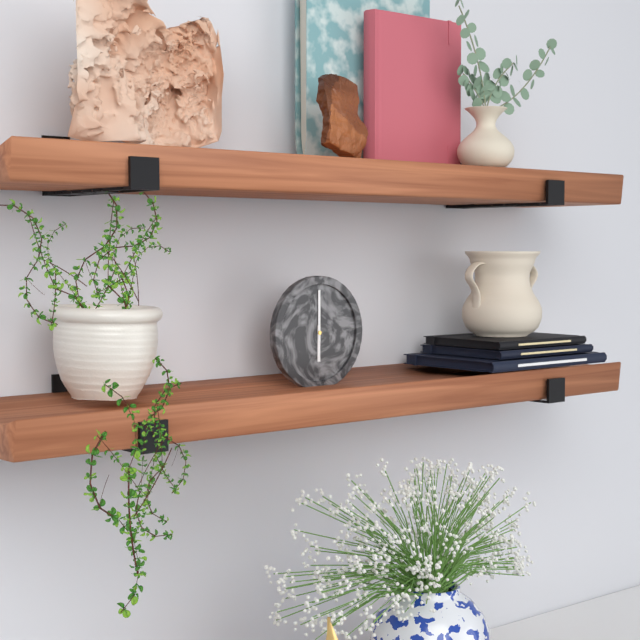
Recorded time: 6.00
